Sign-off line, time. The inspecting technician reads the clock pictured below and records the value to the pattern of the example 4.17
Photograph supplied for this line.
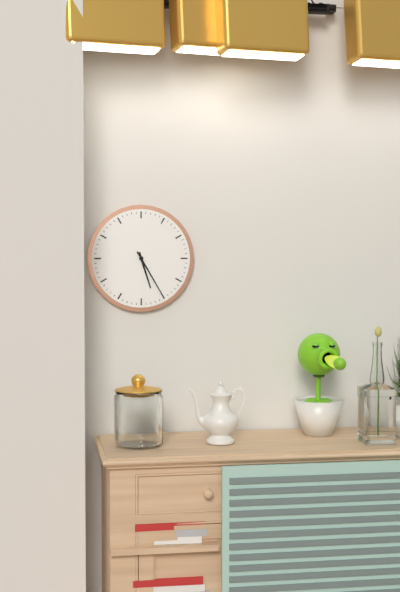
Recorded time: 5.25
